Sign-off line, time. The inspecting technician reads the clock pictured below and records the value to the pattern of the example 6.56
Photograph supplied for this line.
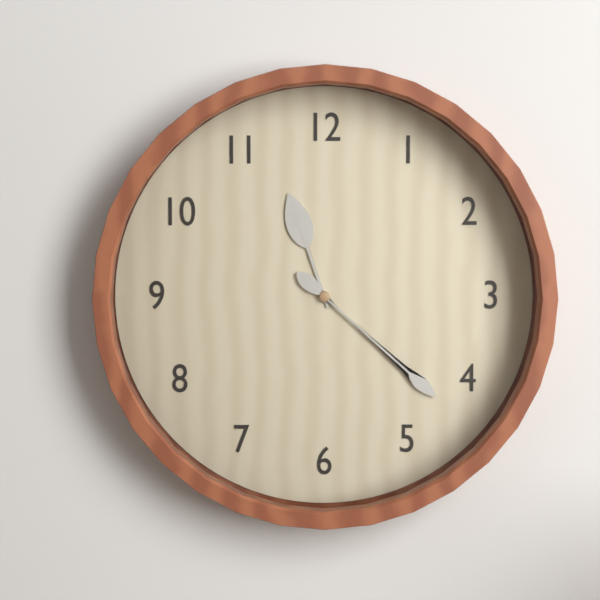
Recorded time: 11.22
